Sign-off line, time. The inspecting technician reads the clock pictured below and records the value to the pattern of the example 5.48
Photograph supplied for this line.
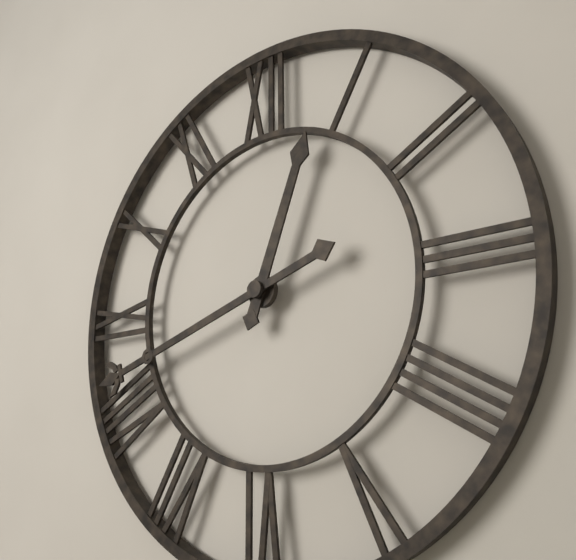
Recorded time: 12.42
